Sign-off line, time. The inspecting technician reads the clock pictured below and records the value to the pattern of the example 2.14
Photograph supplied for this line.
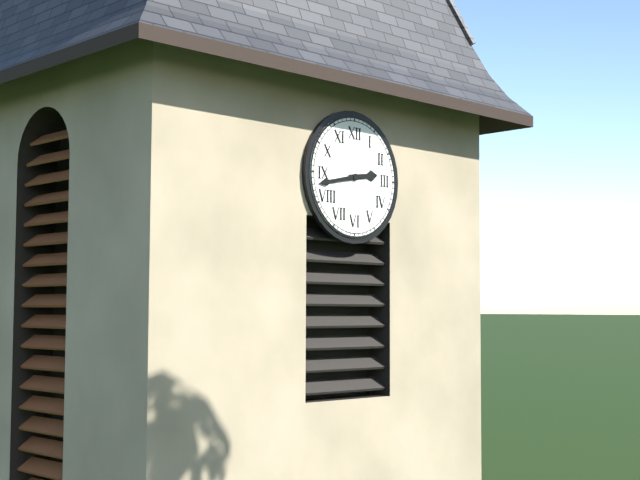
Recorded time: 2.43
